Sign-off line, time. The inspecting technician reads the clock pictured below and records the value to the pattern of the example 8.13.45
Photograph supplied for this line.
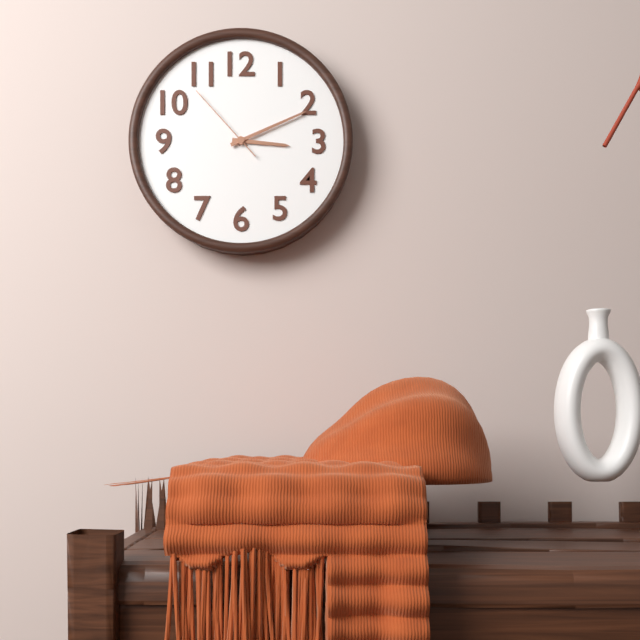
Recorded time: 3.11.53
